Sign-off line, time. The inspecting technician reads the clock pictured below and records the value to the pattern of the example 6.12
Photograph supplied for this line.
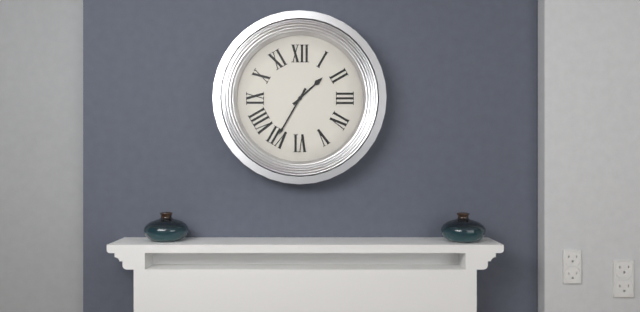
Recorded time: 1.35
